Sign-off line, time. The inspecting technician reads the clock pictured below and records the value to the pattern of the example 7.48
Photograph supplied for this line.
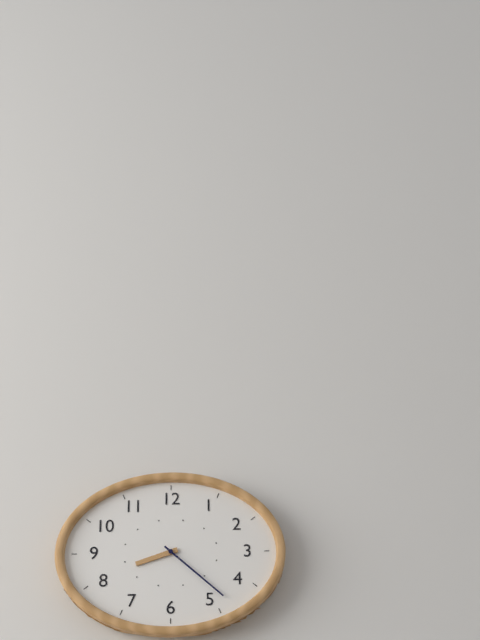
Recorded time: 8.22
